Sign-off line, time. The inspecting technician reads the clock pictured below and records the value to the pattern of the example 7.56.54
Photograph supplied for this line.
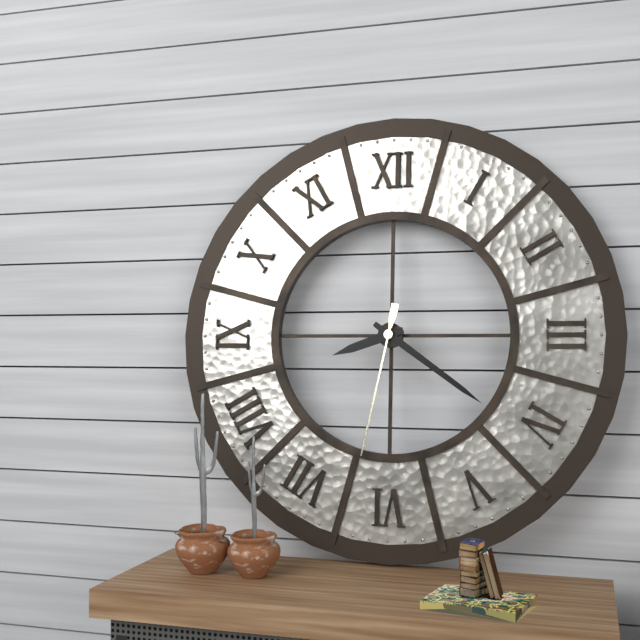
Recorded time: 8.21.32
